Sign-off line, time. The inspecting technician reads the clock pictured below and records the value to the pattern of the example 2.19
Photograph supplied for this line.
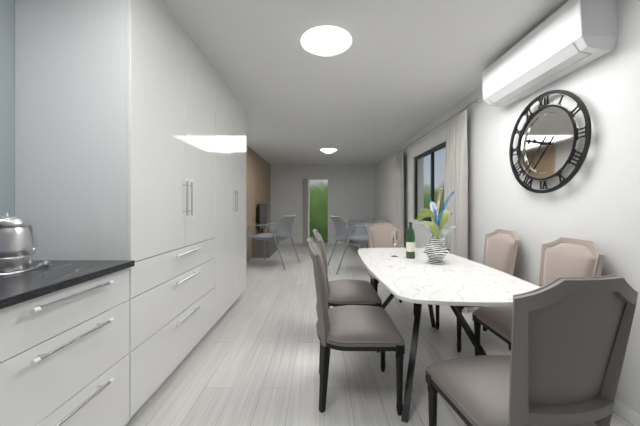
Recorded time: 9.37
